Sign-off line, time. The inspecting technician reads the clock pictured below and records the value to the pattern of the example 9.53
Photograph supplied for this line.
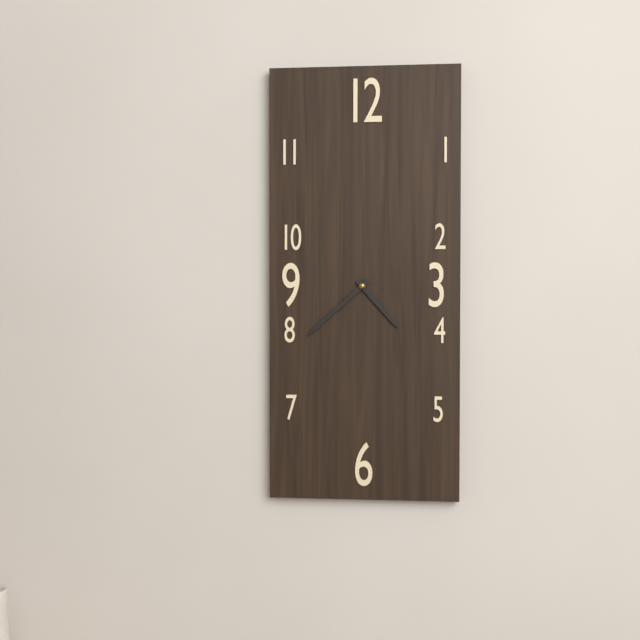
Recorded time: 4.38
